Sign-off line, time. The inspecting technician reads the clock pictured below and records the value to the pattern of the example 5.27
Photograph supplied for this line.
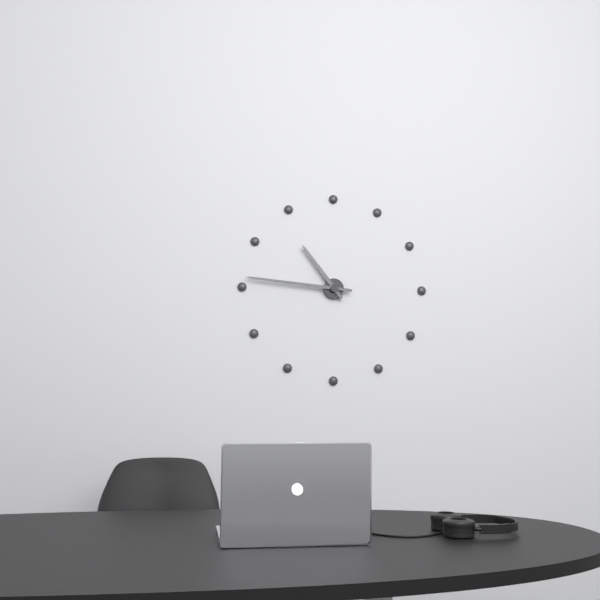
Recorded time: 10.46
